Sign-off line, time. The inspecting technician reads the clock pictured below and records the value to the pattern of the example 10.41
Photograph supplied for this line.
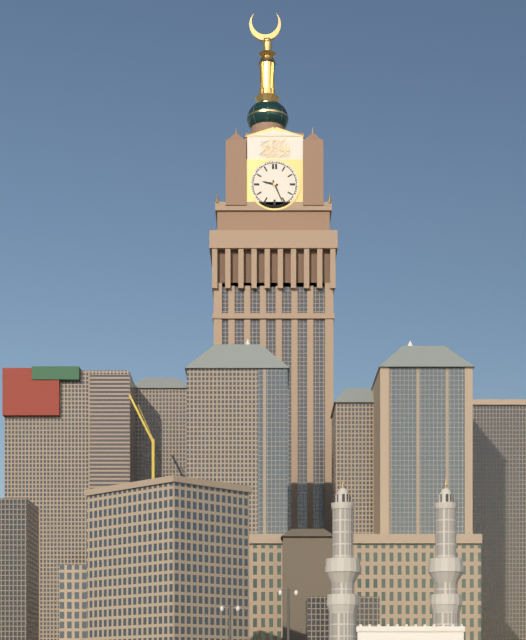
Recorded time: 9.26
